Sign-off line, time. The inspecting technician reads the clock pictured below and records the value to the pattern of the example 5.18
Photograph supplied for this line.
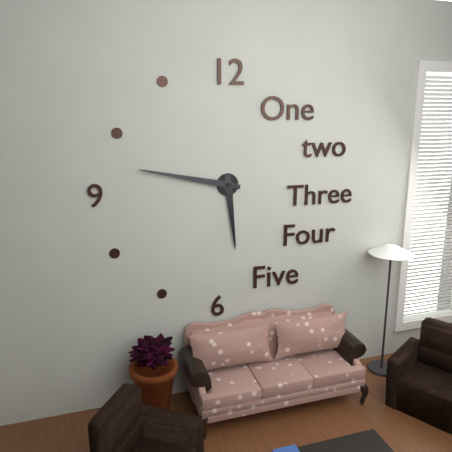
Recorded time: 5.47
